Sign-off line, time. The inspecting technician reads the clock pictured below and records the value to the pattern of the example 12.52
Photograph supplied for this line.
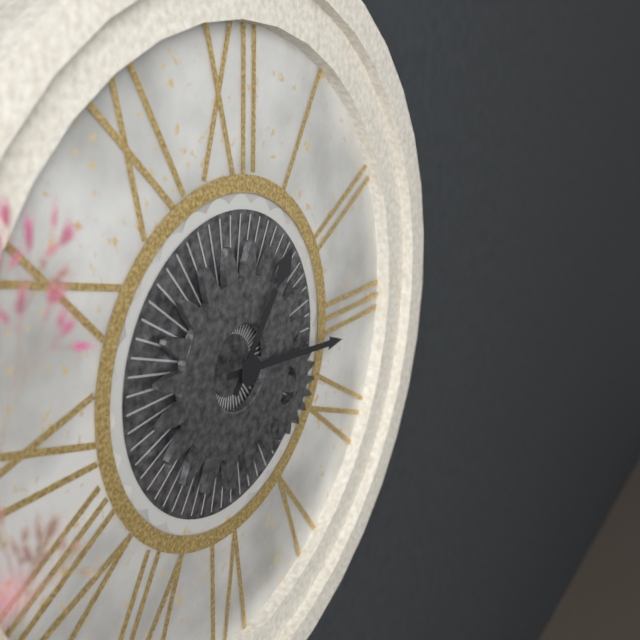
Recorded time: 1.16
